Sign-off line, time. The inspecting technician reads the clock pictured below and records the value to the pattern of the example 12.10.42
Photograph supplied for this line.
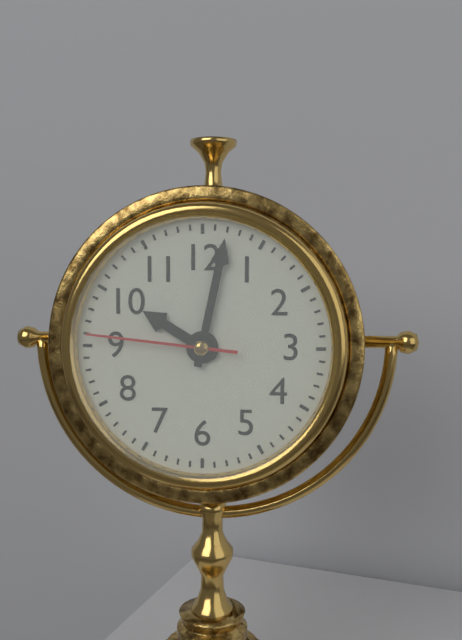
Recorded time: 10.02.46
